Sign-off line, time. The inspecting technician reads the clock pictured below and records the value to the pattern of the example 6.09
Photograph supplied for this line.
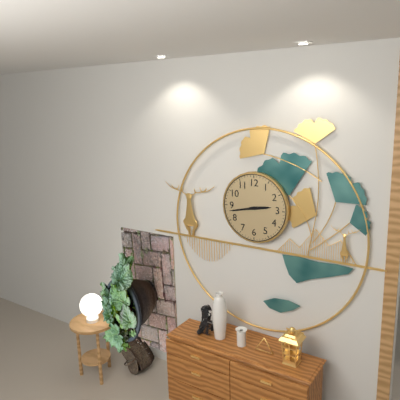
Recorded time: 2.43
